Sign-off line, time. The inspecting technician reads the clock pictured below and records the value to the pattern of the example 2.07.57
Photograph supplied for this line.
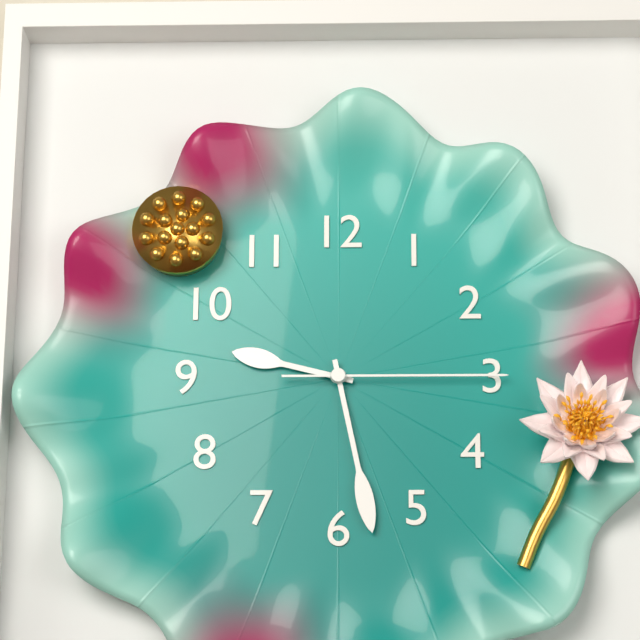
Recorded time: 9.28.15
